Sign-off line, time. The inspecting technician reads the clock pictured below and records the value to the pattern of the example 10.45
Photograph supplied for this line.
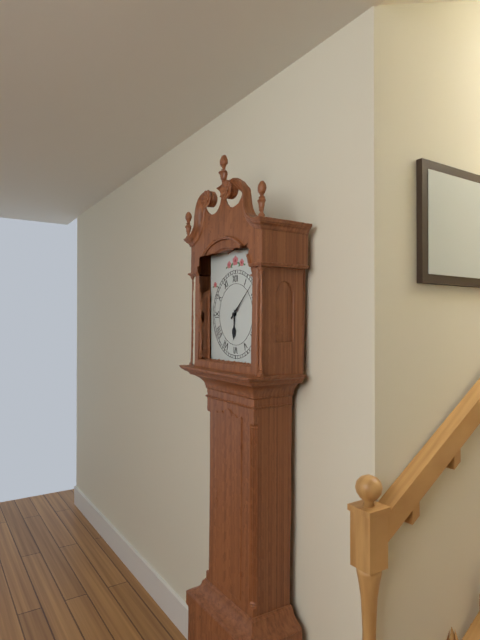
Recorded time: 6.08
